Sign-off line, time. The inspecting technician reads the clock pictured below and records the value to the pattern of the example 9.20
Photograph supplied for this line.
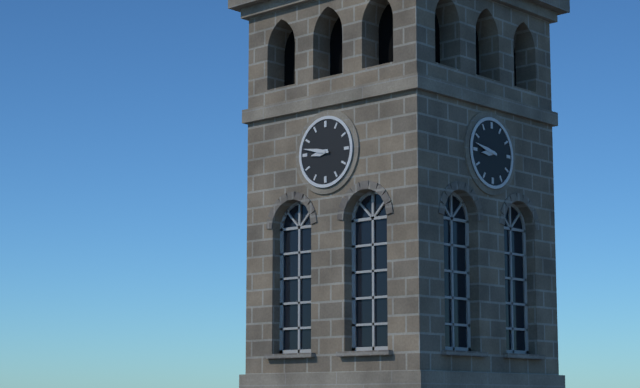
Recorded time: 8.47
